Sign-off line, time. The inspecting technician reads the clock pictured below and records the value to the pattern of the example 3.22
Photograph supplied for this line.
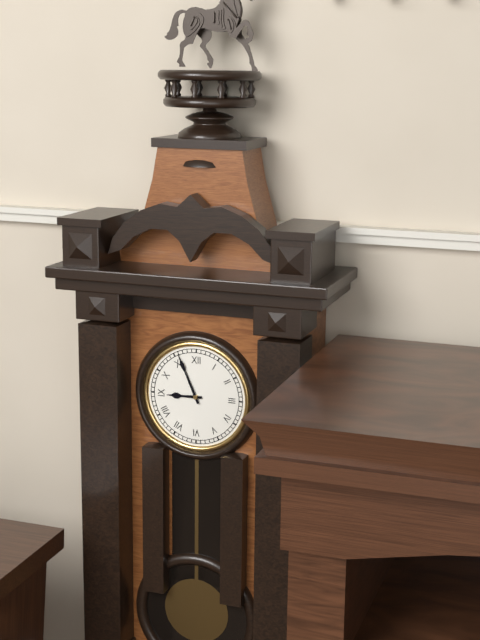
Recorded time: 8.56
